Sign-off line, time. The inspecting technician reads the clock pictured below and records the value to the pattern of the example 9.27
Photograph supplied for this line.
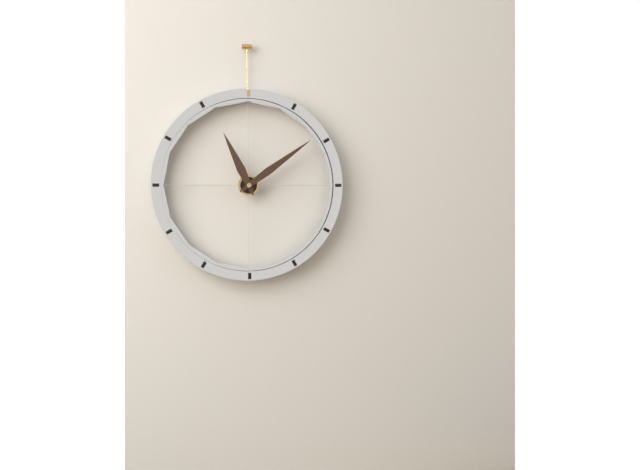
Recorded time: 11.09
